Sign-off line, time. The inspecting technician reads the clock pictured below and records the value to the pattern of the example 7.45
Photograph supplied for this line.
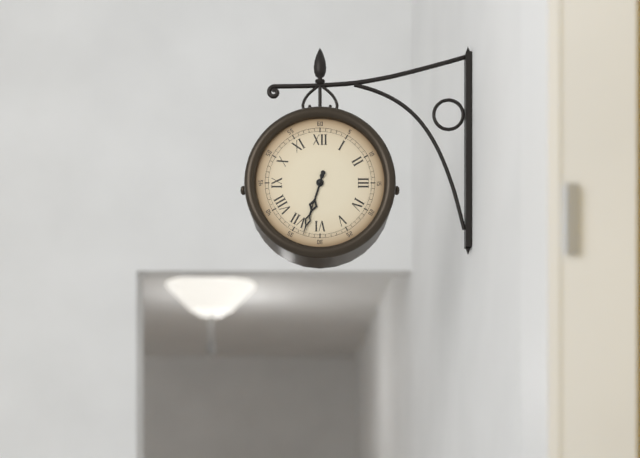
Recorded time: 6.33
